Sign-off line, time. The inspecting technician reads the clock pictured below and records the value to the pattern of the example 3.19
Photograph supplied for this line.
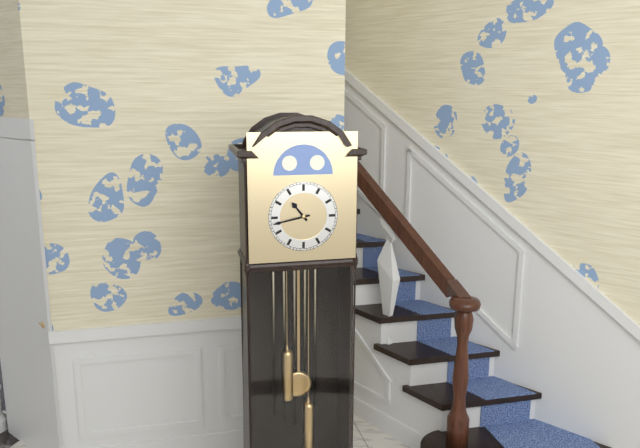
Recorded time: 10.43
